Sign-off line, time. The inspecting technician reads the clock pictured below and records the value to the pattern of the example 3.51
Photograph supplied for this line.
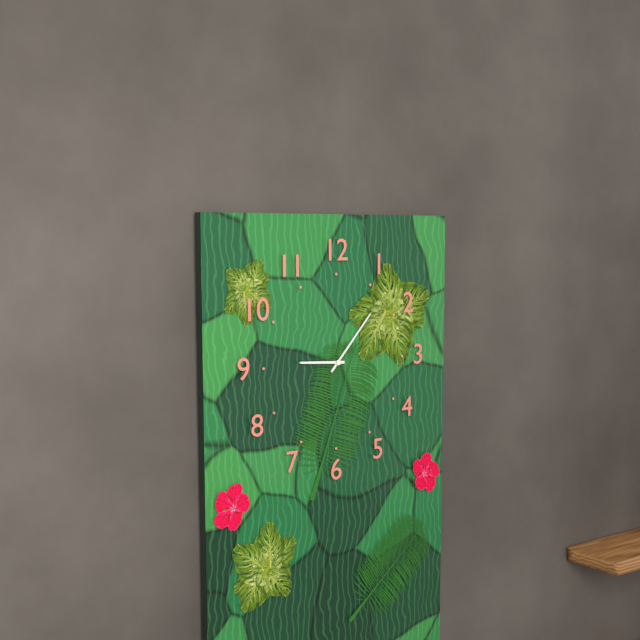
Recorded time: 9.07
